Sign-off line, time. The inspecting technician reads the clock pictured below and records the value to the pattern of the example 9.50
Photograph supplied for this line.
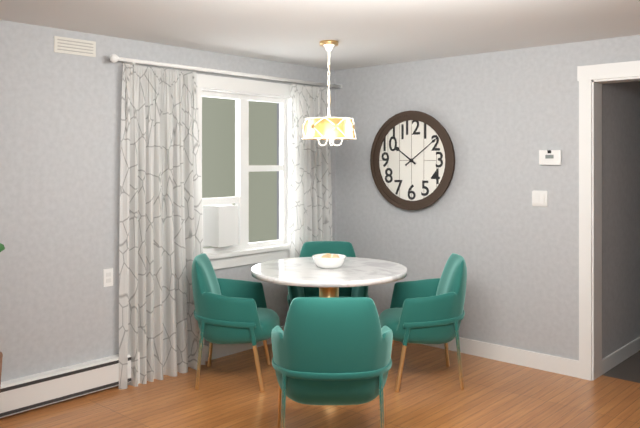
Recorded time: 10.09
